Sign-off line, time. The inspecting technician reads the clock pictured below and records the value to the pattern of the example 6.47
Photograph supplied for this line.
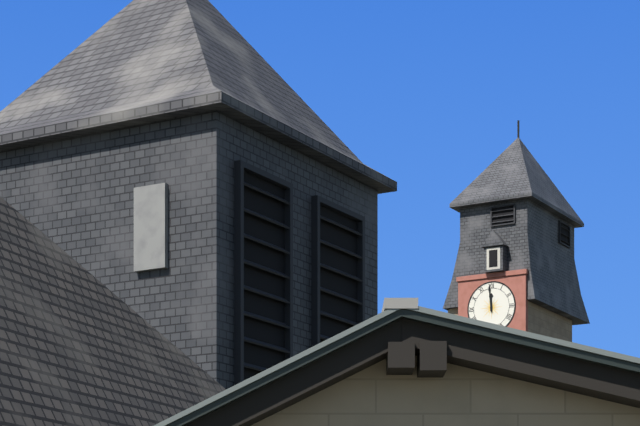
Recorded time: 11.59
